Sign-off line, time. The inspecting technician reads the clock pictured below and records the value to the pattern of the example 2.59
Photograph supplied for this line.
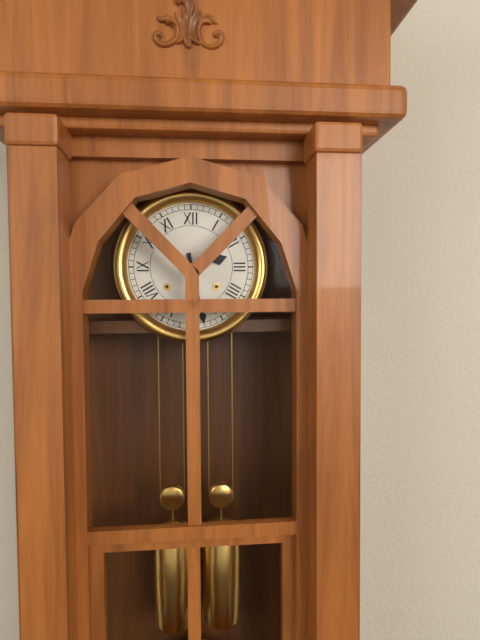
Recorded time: 2.28
